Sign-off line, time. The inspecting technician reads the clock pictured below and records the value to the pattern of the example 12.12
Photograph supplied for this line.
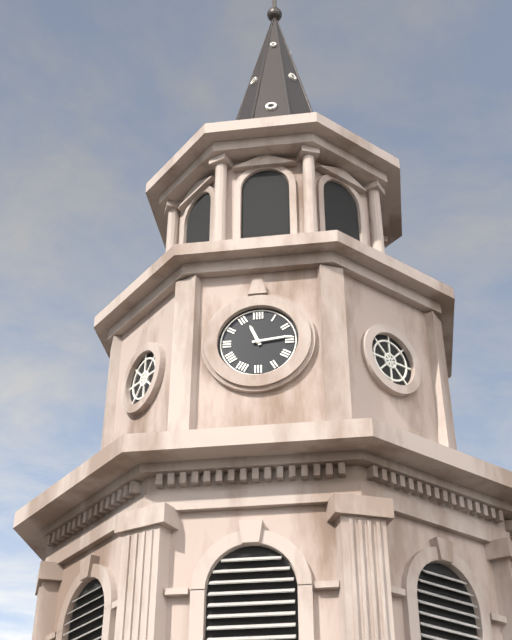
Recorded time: 11.14
